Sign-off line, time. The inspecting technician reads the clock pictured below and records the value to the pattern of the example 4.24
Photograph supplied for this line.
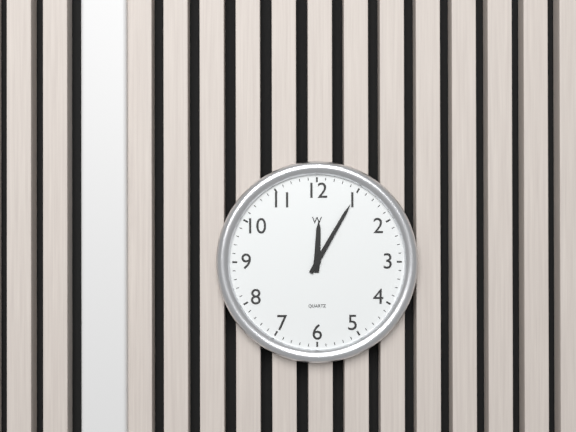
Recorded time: 12.05
